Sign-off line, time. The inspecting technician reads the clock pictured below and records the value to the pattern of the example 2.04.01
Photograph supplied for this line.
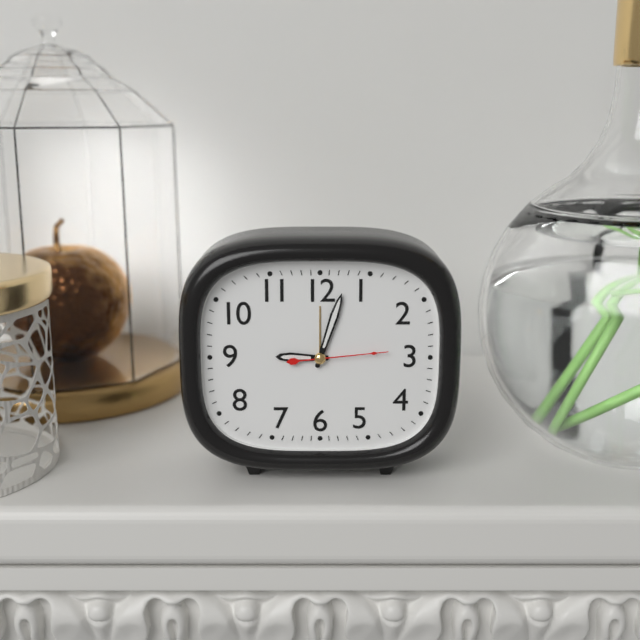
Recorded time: 9.03.14
